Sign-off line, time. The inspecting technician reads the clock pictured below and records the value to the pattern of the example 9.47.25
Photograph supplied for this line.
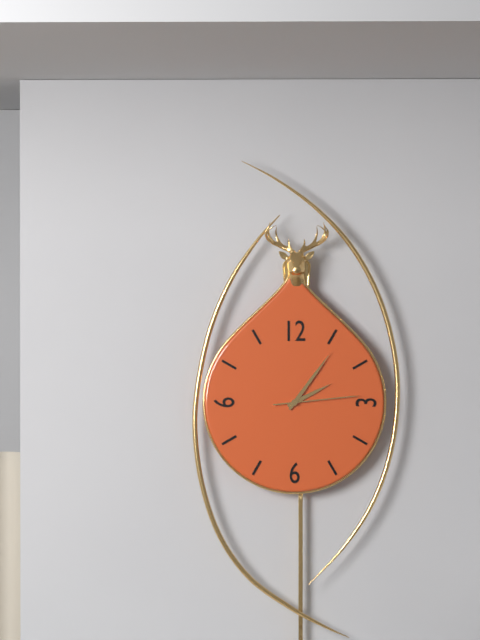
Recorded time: 2.06.14
